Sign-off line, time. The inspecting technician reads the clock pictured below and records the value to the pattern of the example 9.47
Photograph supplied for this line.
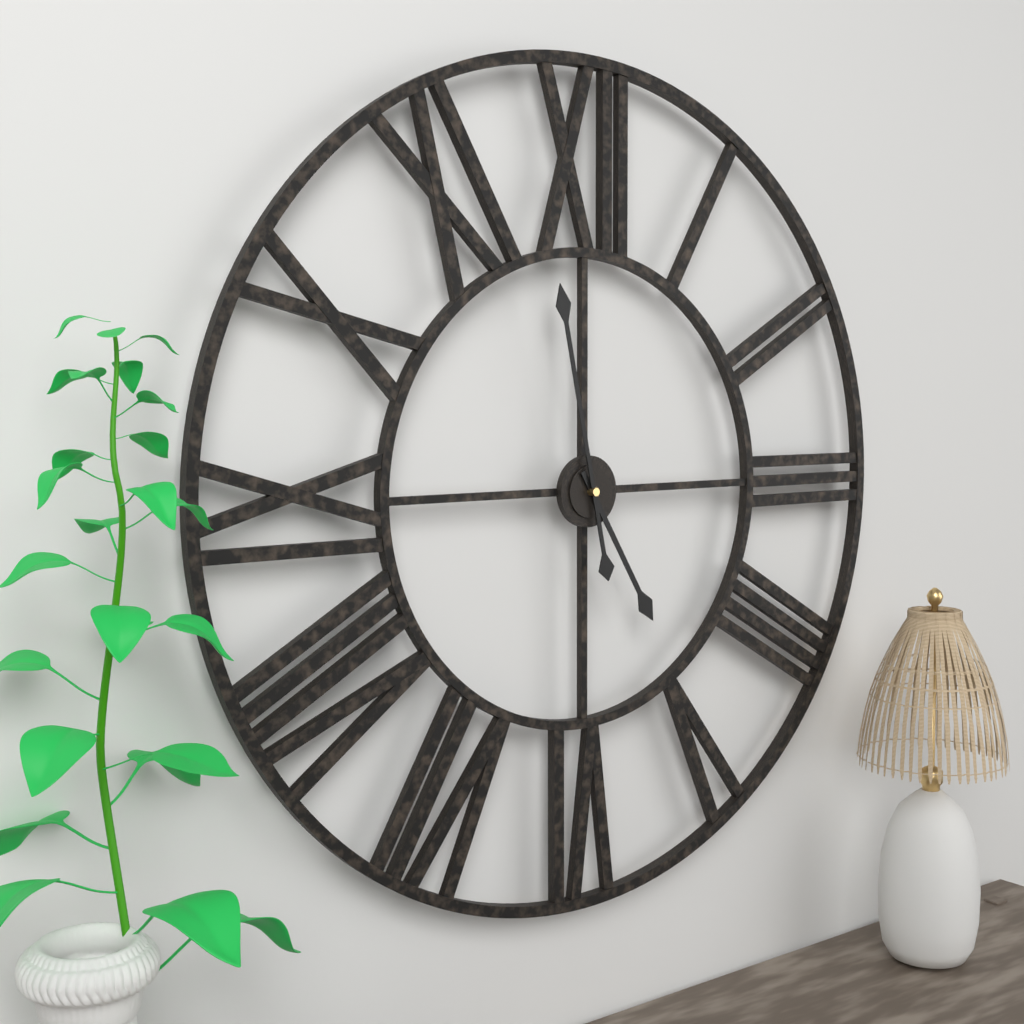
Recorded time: 4.58
